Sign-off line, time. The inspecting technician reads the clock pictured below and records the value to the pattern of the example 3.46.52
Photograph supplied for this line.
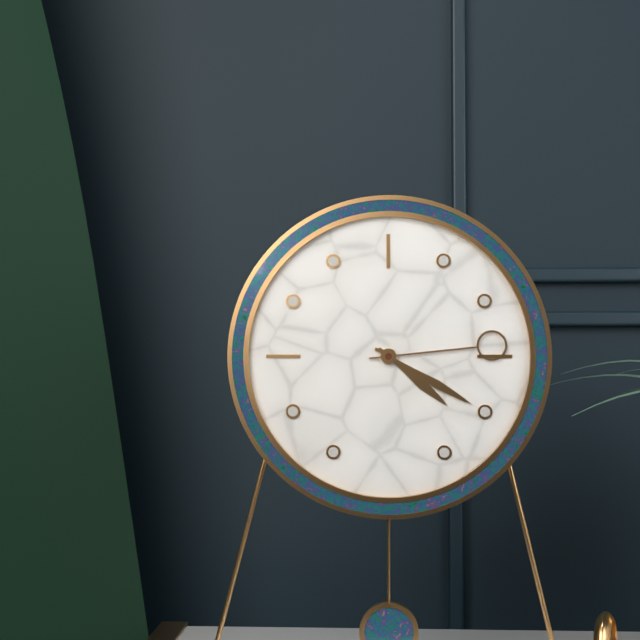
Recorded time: 4.20.14
